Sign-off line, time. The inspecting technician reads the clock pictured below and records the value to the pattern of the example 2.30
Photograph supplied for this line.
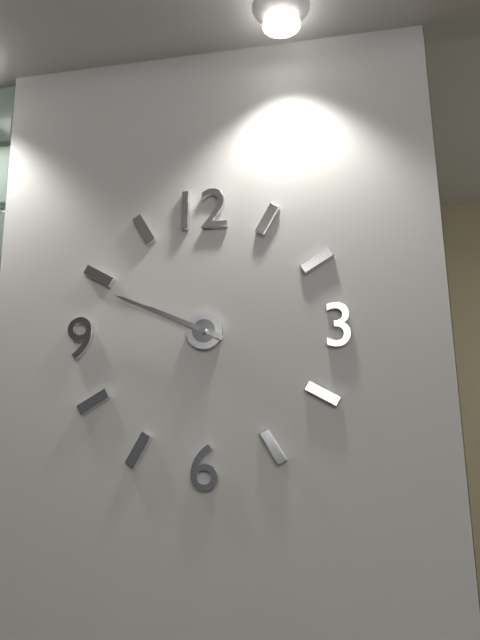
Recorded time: 9.49
